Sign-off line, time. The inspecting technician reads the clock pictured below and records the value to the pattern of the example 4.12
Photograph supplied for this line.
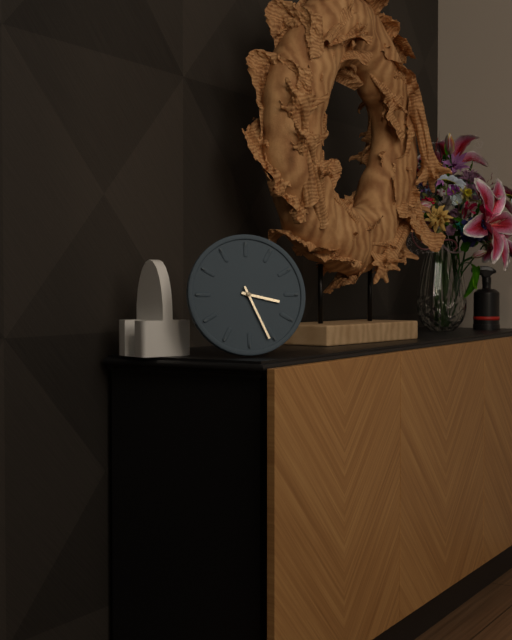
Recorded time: 3.26
